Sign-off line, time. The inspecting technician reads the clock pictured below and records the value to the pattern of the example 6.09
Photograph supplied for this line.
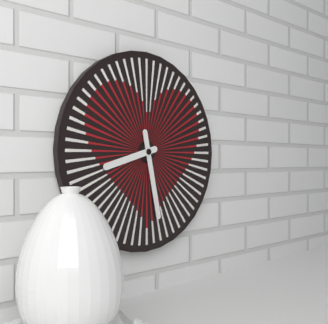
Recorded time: 8.28
